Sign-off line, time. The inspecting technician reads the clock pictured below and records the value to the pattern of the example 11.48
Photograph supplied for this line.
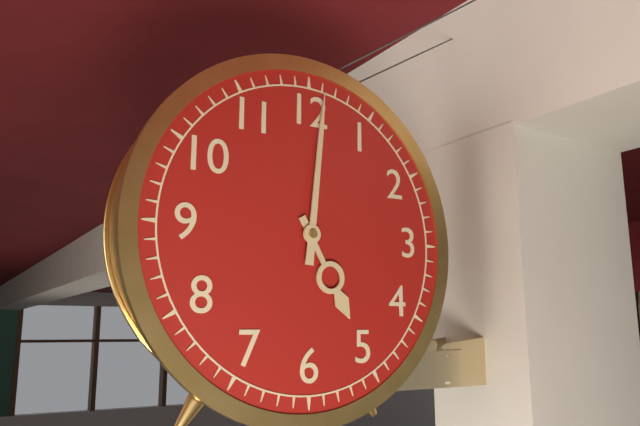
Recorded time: 5.01
